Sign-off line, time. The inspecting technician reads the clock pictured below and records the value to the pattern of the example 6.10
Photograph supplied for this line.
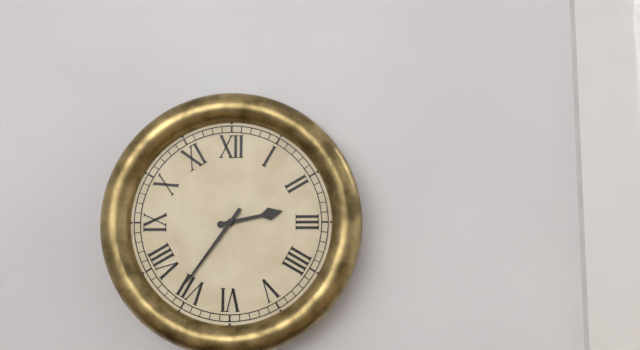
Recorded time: 2.36
